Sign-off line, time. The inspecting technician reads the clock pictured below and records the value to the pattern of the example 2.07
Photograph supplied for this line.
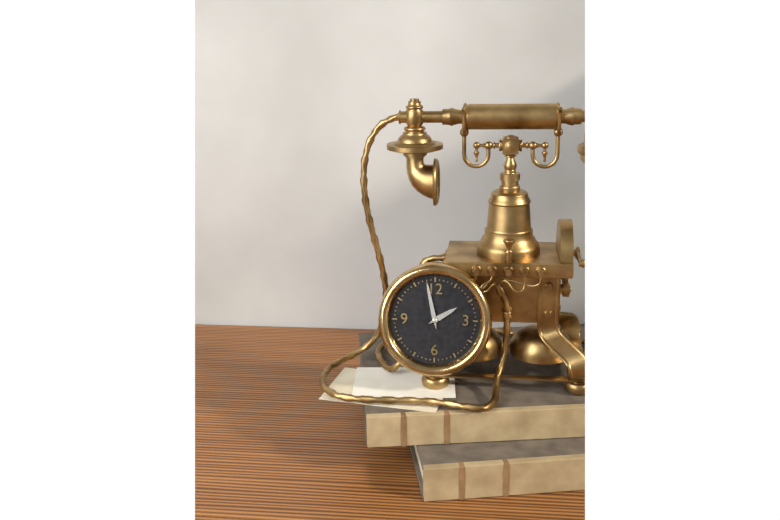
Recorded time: 1.58
